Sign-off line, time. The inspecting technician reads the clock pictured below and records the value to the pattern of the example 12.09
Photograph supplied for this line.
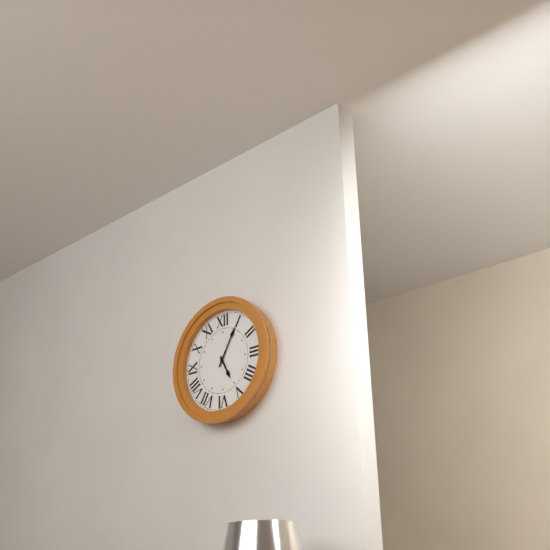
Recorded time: 5.05
